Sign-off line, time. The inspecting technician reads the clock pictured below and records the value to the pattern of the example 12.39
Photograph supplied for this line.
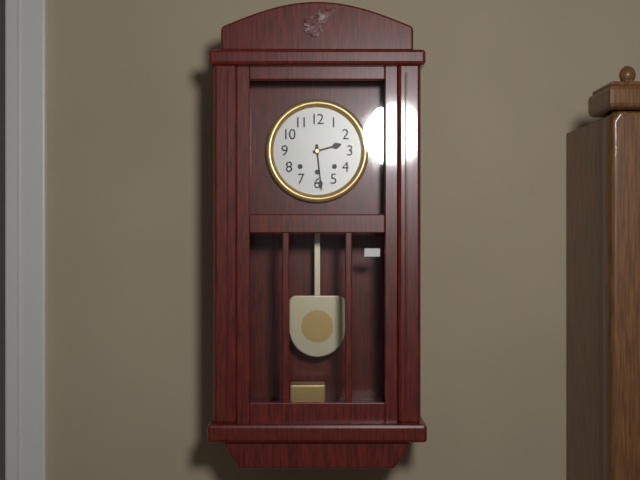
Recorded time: 2.29
